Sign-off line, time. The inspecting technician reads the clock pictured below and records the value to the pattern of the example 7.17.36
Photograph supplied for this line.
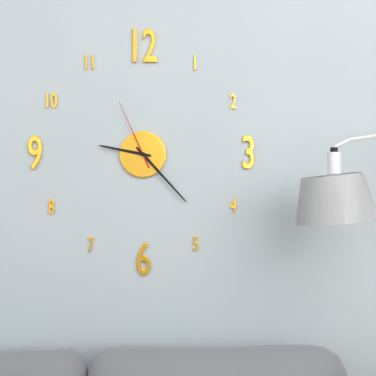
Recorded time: 9.23.56
